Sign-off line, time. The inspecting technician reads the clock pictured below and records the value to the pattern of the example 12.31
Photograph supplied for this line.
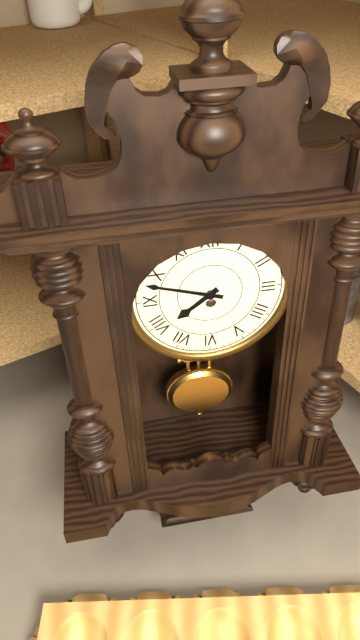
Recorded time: 7.48
